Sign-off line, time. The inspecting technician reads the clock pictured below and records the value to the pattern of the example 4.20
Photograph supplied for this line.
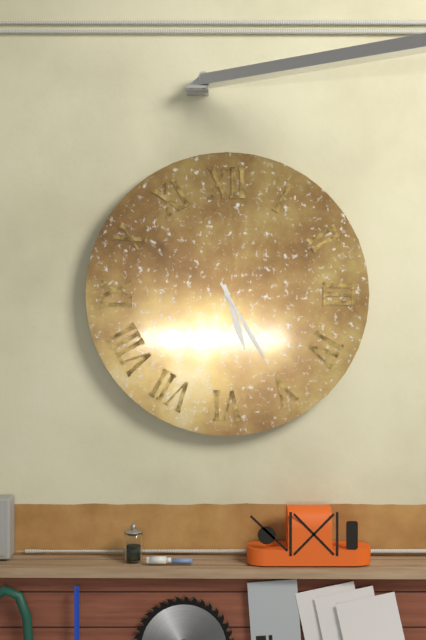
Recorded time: 5.25
